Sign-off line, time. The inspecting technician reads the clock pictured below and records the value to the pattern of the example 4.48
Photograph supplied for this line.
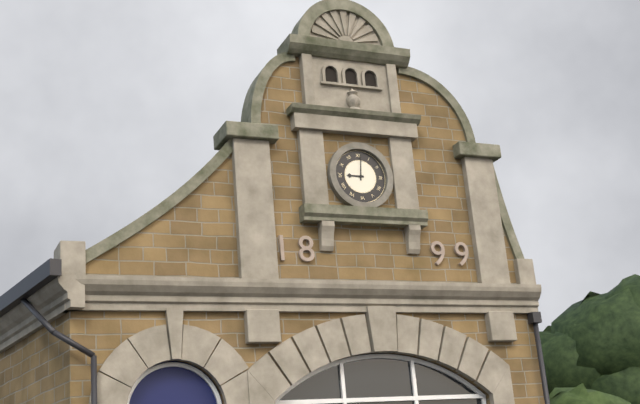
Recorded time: 9.01
